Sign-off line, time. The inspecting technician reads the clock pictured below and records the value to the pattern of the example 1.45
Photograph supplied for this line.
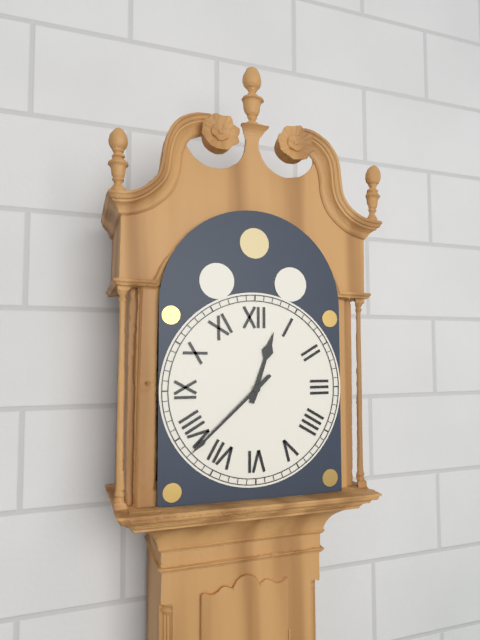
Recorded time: 12.38
